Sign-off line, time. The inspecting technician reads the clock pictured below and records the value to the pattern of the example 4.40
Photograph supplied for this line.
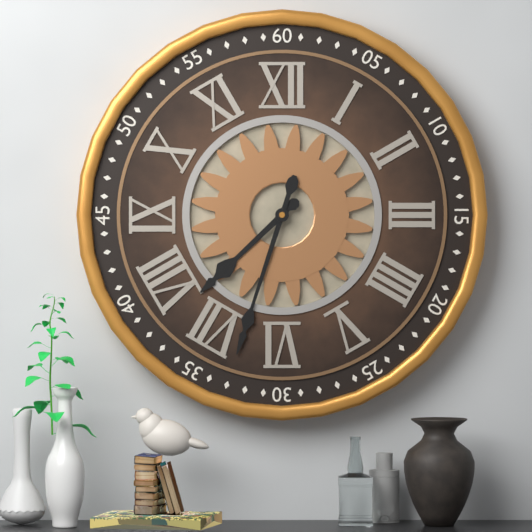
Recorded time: 7.33
